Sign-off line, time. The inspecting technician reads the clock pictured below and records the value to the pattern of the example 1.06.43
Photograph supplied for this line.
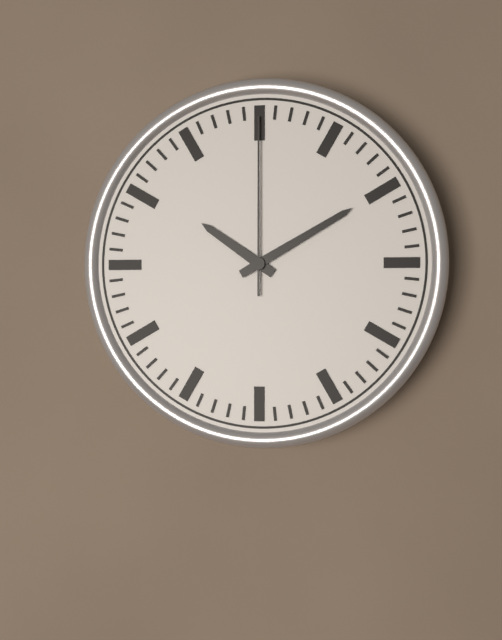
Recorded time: 10.10.00
